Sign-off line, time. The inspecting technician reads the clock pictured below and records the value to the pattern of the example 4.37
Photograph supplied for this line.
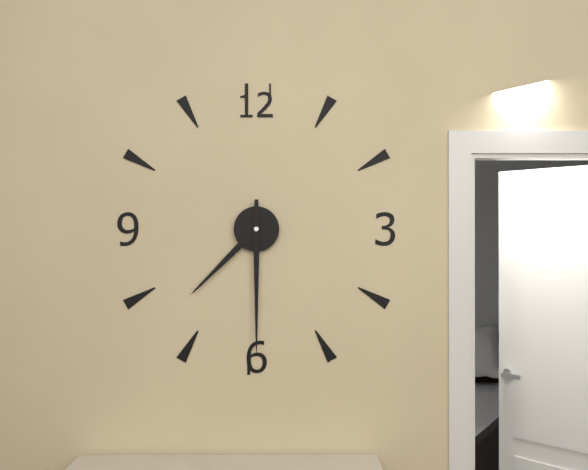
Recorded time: 7.30
